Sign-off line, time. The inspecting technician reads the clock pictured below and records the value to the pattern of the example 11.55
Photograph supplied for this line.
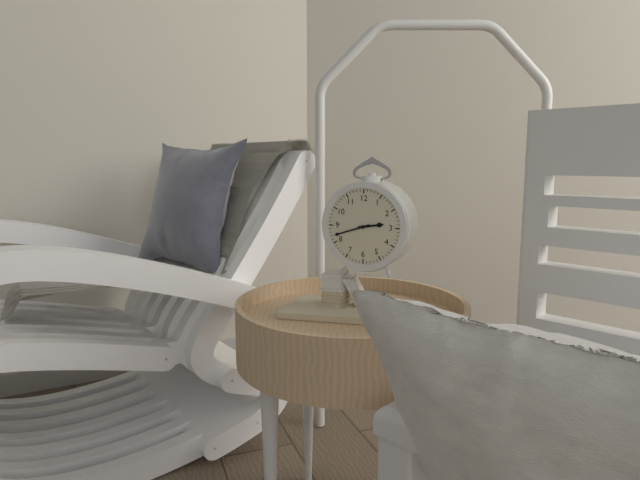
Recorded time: 2.42
